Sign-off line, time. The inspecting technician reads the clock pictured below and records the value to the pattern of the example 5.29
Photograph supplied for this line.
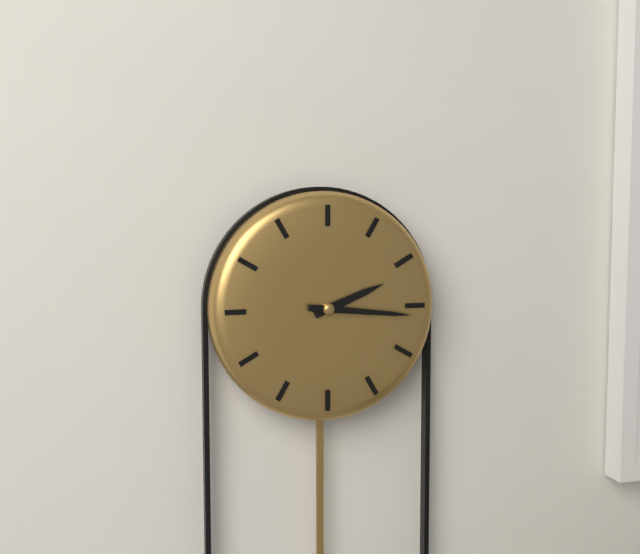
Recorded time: 2.16
